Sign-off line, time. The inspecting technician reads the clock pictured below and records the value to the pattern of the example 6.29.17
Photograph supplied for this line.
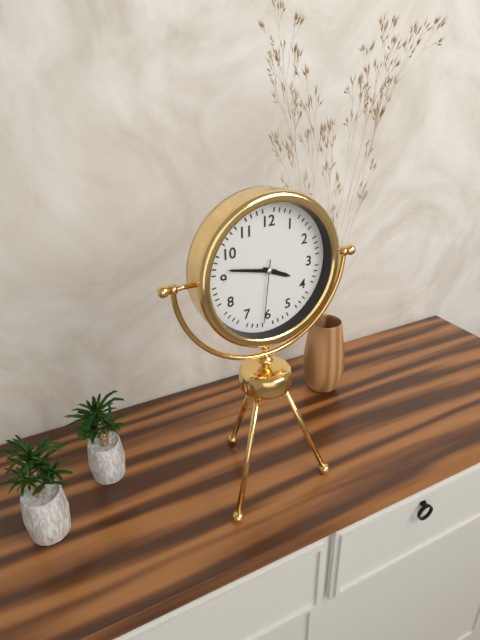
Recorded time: 3.47.31
